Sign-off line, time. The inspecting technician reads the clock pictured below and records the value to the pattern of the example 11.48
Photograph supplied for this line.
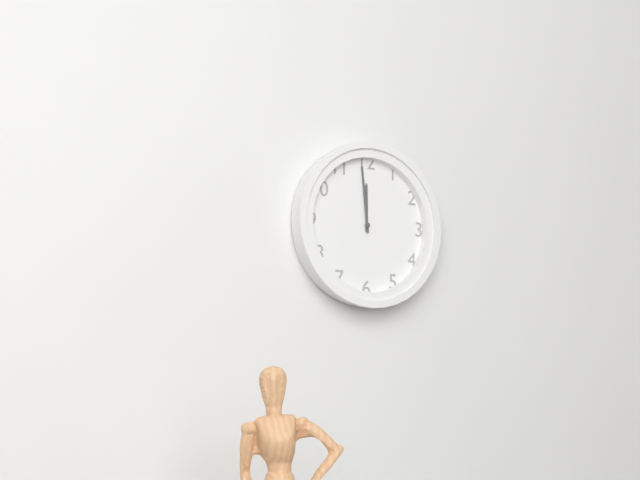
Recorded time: 11.59
